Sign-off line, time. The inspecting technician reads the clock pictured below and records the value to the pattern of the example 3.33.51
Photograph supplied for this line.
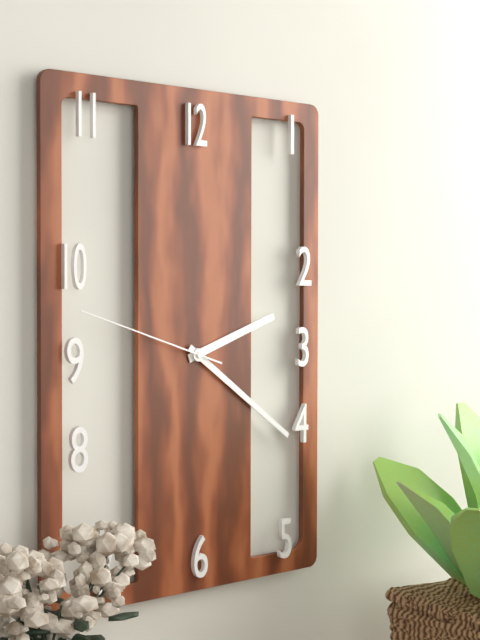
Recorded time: 2.21.48
